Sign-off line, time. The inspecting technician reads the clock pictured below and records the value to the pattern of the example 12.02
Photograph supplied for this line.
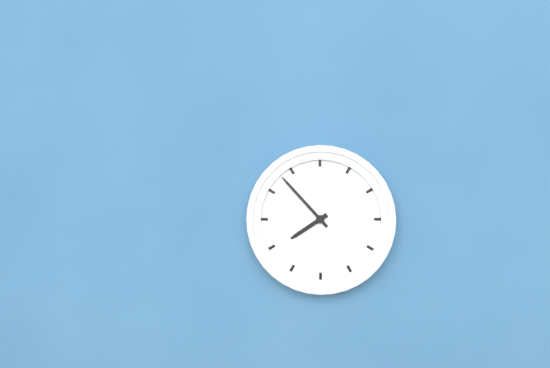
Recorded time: 7.53
